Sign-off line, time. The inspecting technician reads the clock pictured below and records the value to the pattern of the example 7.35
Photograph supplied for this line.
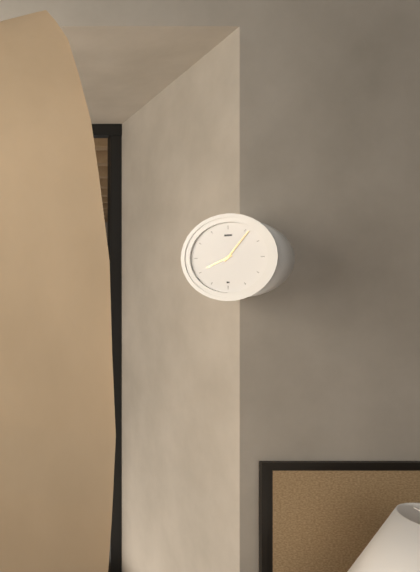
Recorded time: 8.06
